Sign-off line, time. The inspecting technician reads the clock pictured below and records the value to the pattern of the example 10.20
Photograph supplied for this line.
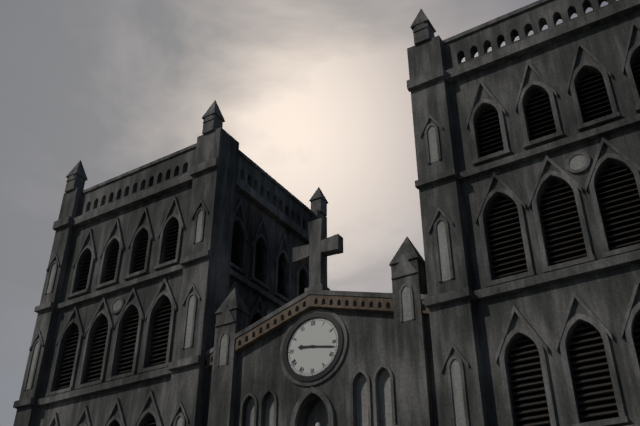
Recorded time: 9.17
